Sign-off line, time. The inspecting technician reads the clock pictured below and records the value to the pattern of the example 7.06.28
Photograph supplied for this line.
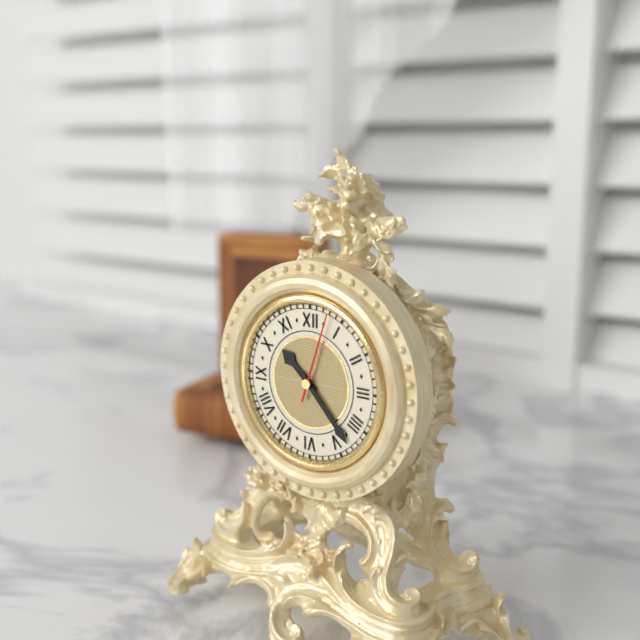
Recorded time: 10.23.03
